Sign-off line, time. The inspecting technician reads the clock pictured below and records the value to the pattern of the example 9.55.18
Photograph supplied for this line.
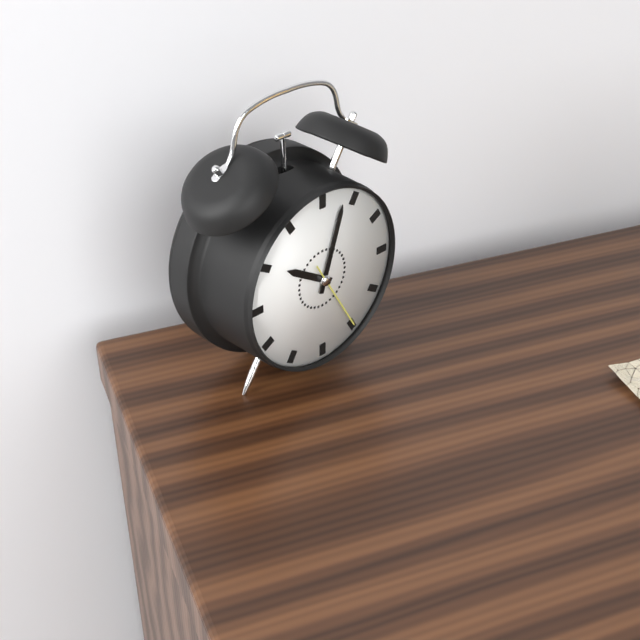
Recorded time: 10.03.25
